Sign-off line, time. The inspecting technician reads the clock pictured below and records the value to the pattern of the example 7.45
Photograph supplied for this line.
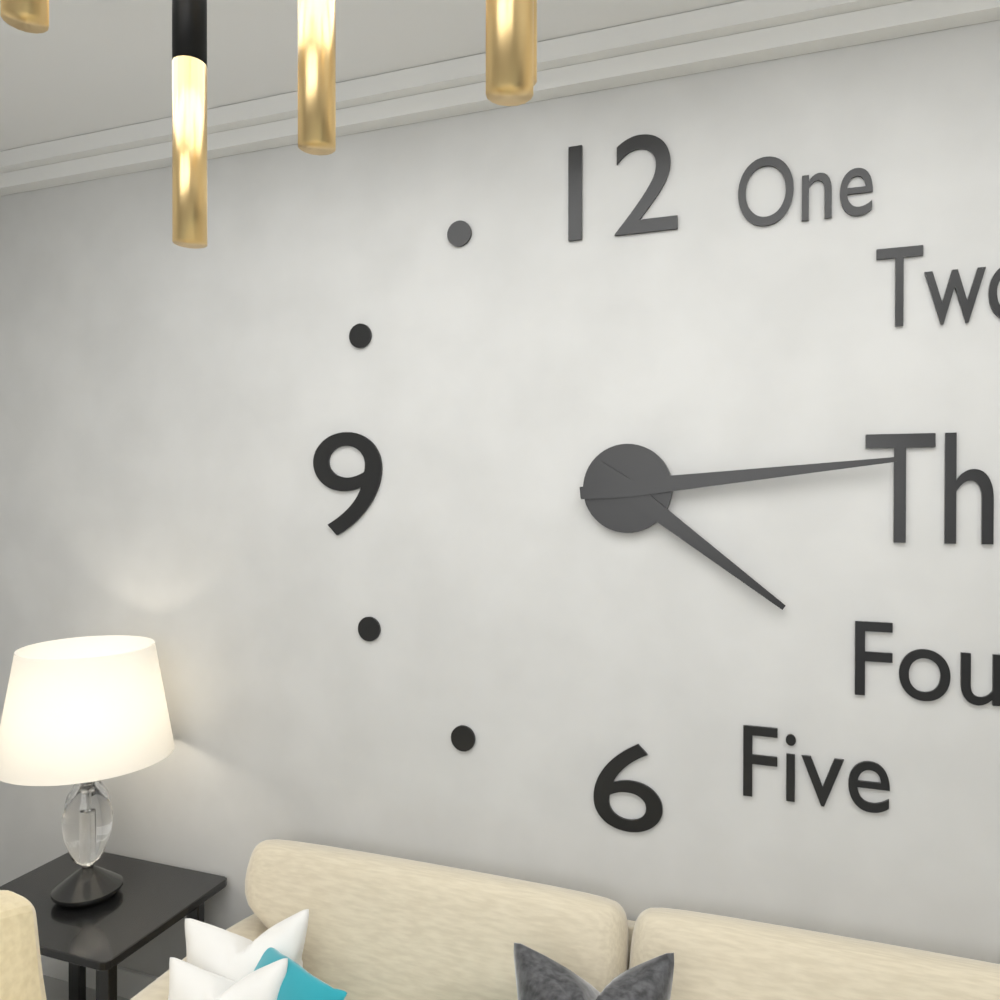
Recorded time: 4.14
